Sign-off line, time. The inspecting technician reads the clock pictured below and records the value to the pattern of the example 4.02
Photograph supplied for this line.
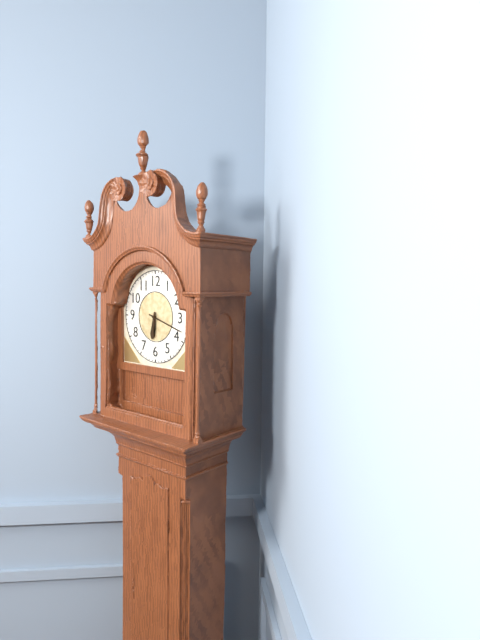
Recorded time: 6.18
